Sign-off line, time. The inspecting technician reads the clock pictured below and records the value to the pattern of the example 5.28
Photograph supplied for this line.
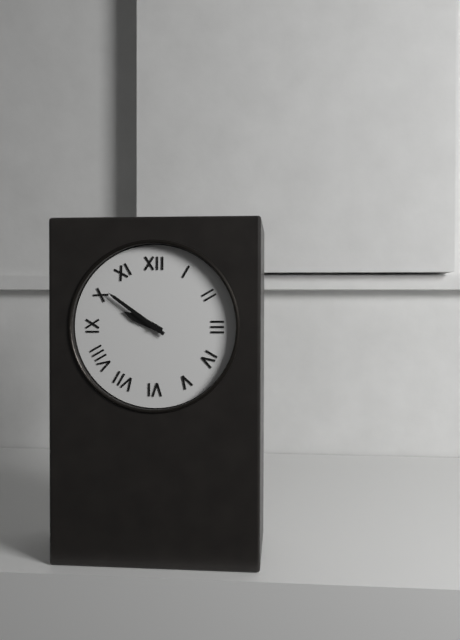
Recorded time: 9.51
